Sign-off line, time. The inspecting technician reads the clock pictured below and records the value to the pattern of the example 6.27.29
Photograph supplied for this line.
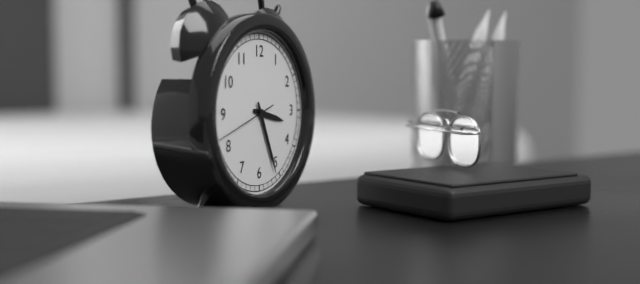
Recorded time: 3.26.42
